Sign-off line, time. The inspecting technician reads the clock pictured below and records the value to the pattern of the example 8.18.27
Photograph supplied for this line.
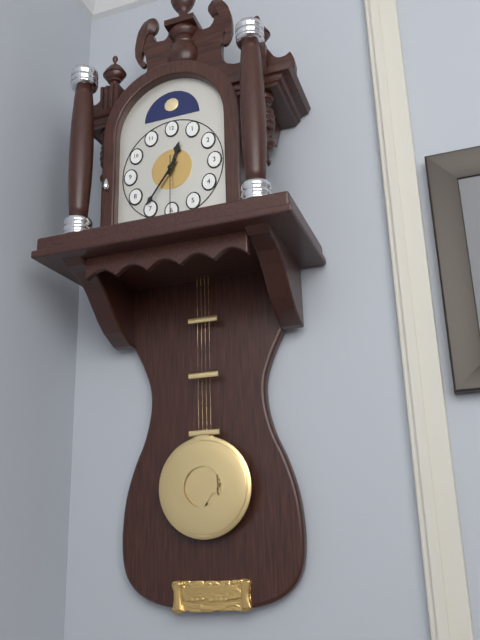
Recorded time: 12.36.30
